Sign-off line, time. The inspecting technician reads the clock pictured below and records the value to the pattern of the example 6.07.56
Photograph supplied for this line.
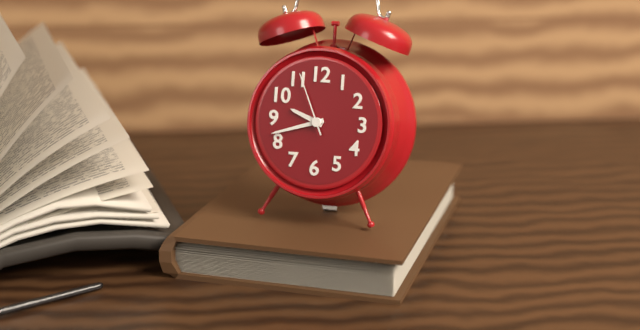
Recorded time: 9.42.56
